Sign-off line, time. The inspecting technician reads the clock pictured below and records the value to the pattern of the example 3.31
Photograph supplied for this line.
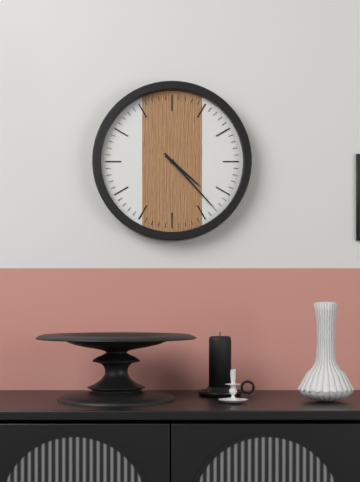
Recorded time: 4.23
